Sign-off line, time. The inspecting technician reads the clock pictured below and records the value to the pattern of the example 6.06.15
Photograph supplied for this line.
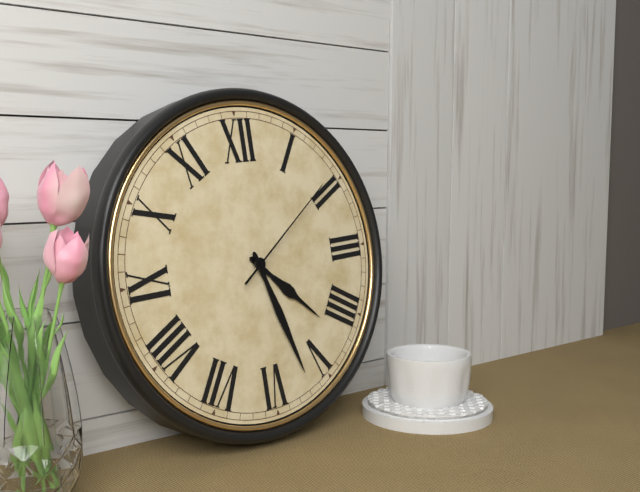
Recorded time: 4.27.09
